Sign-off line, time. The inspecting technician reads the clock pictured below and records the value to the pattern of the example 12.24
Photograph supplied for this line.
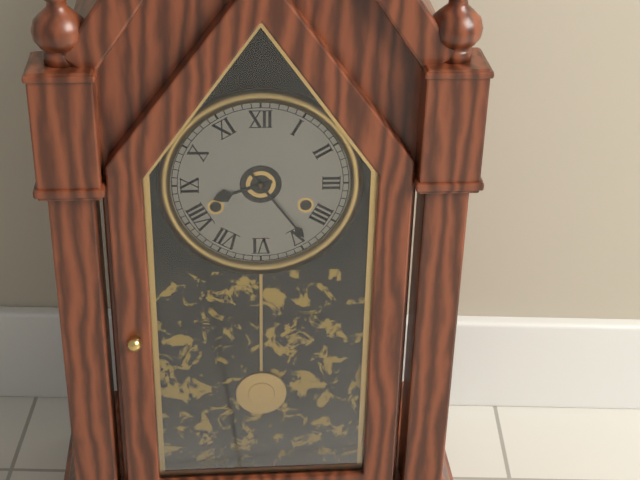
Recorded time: 8.24
